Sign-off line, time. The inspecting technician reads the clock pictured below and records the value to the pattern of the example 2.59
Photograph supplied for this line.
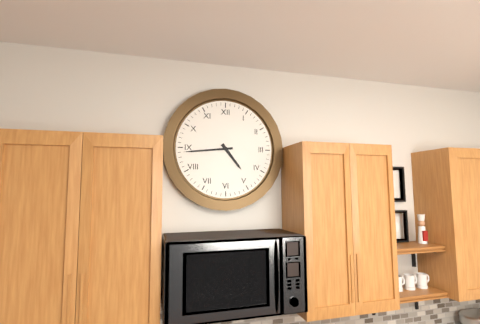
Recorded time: 4.44
